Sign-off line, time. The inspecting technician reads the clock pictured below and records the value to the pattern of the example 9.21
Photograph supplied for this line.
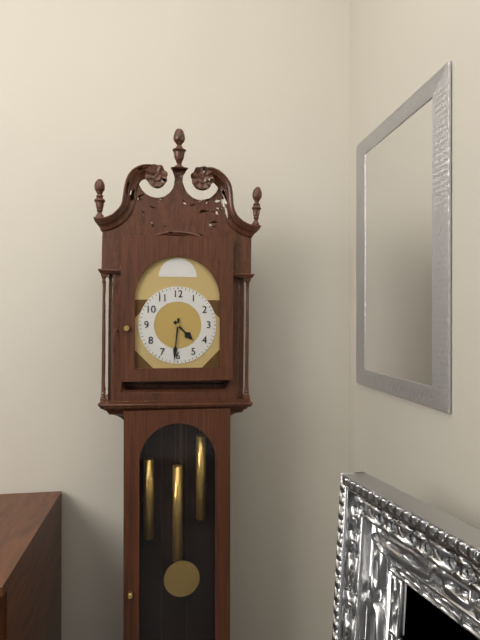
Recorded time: 4.31
